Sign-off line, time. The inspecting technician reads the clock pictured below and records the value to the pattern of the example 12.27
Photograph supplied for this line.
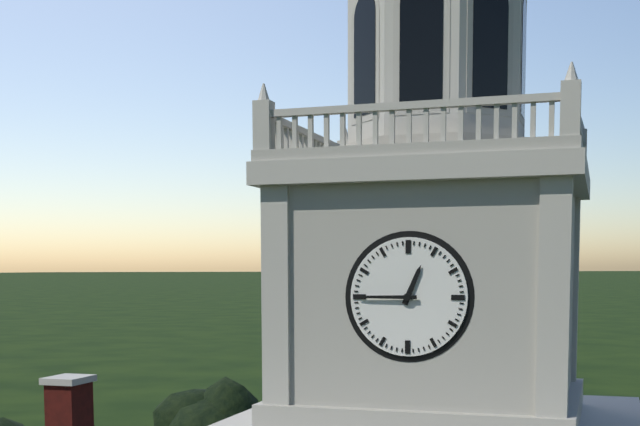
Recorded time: 12.45
